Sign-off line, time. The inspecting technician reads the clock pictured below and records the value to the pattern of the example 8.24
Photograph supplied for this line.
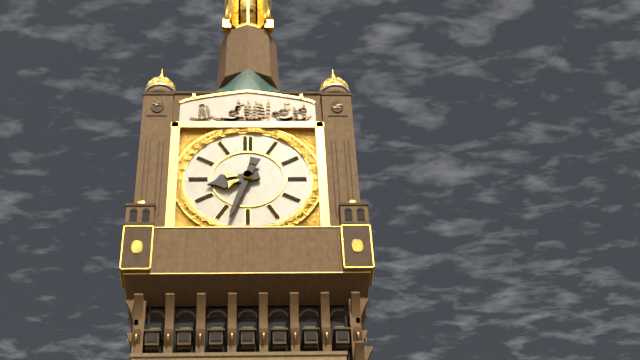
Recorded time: 8.33
